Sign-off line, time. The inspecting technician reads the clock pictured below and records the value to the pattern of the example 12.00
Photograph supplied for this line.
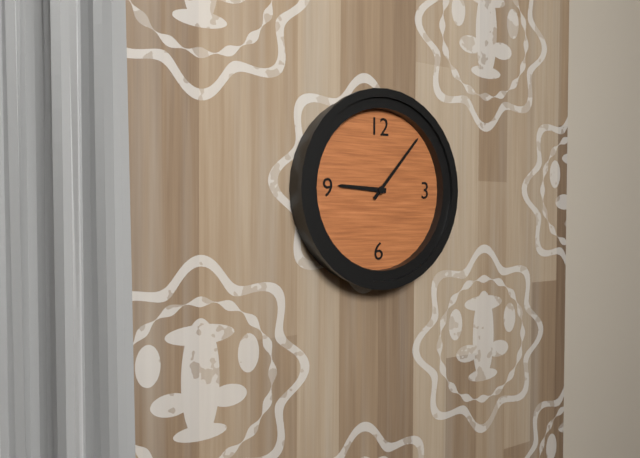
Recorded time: 9.07
